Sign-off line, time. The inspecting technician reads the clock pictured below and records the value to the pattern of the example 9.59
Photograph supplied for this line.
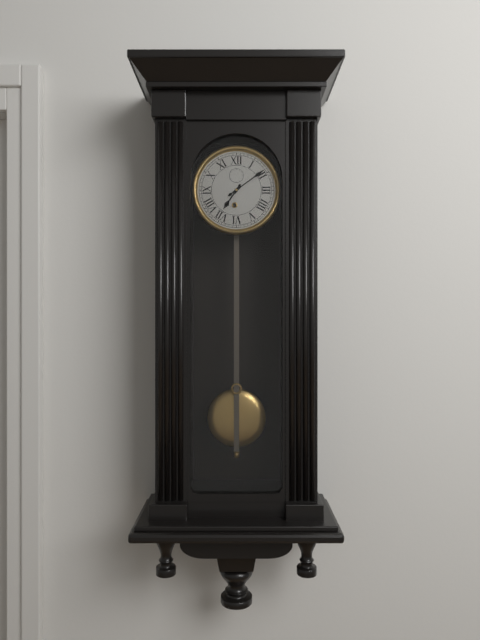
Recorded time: 7.09
